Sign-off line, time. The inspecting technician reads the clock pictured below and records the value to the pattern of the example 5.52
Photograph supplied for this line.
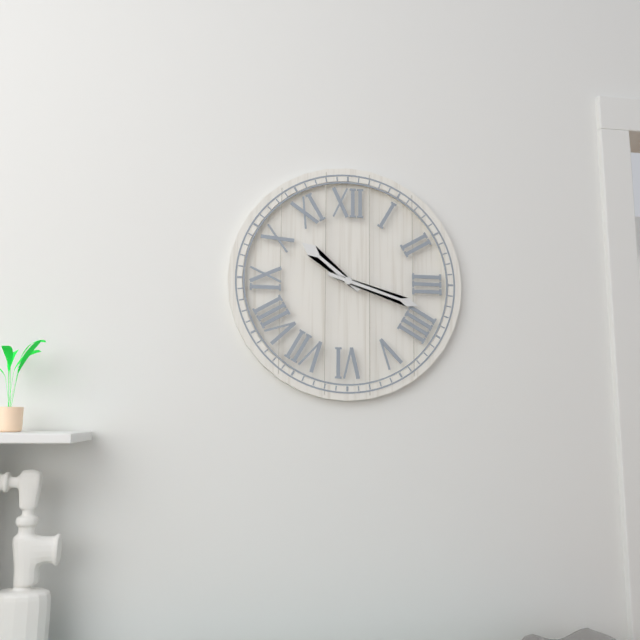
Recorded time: 10.18
